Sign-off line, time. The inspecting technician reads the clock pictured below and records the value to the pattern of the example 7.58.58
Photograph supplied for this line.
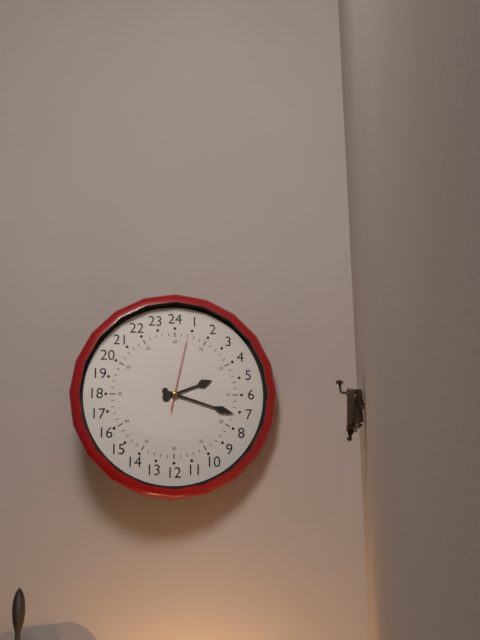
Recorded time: 2.18.02
